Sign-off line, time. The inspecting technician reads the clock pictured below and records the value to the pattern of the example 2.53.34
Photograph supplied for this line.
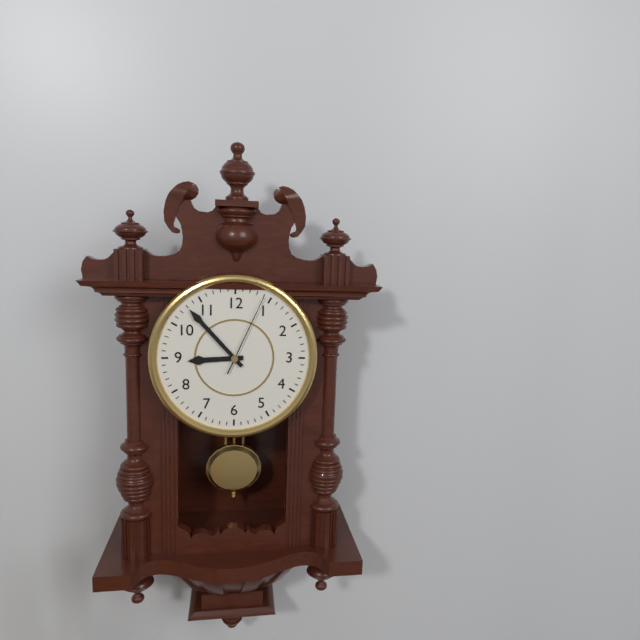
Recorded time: 8.53.04
